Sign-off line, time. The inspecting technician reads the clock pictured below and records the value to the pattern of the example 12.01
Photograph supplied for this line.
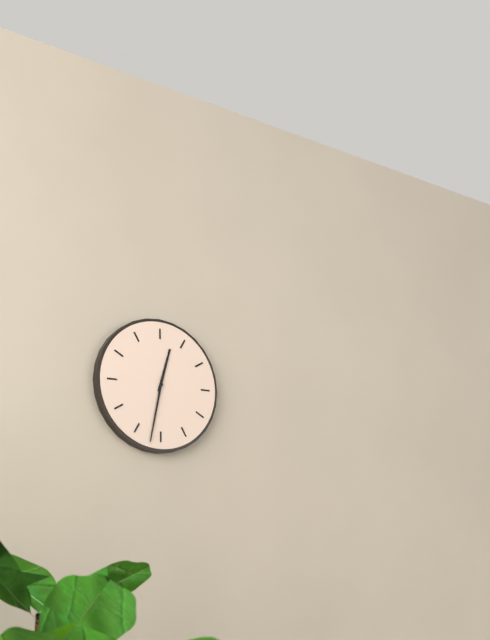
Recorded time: 12.32
